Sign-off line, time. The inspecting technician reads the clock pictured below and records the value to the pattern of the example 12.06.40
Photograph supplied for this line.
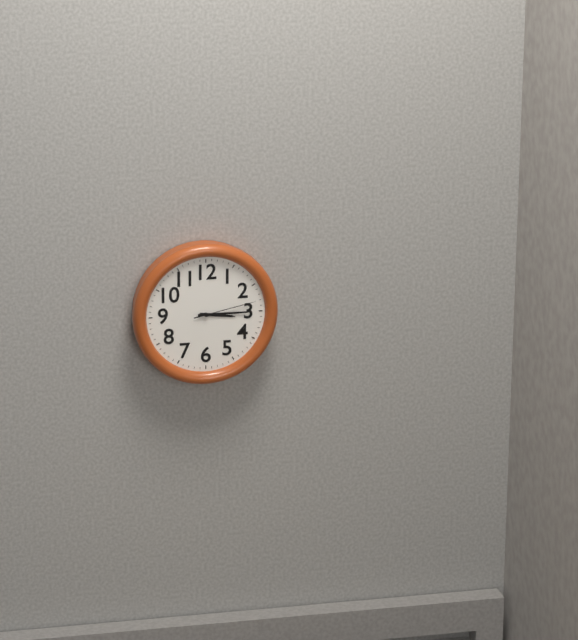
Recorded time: 3.15.13
